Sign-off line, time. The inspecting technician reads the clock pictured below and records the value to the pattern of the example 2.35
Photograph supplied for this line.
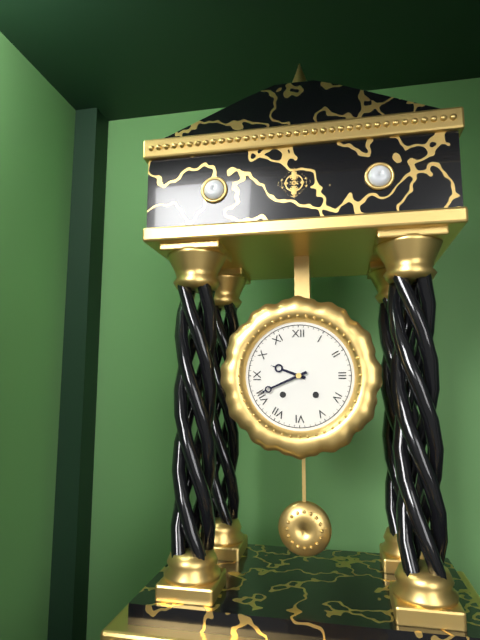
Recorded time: 9.41
